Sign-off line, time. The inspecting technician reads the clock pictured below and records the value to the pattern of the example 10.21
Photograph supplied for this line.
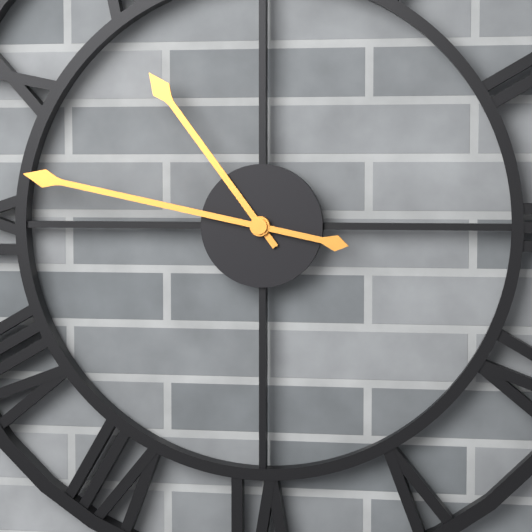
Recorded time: 10.47
